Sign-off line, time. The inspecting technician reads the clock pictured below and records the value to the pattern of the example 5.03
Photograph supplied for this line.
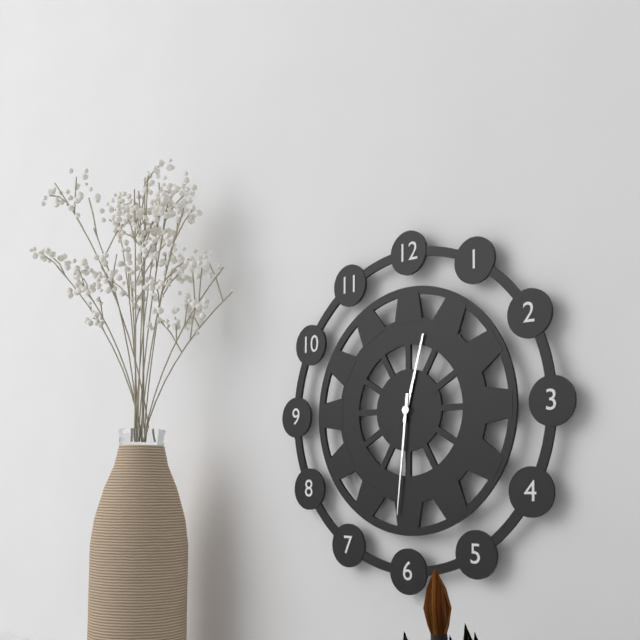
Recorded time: 12.31
